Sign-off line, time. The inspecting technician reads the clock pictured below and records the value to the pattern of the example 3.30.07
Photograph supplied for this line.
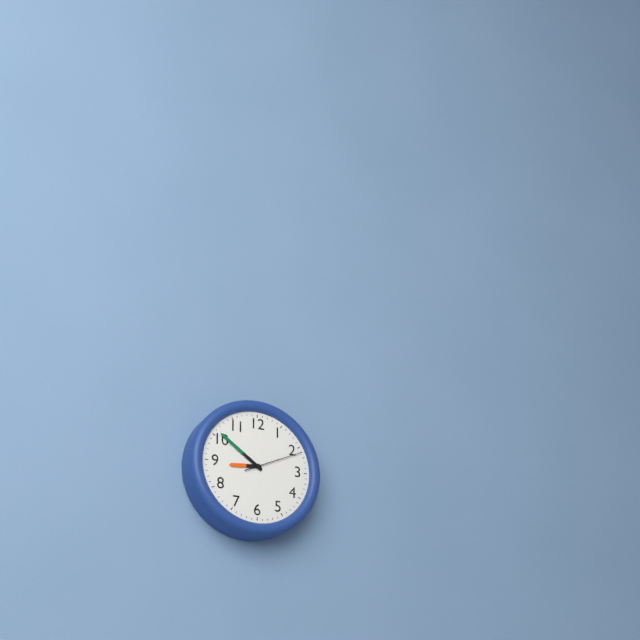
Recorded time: 8.51.11
